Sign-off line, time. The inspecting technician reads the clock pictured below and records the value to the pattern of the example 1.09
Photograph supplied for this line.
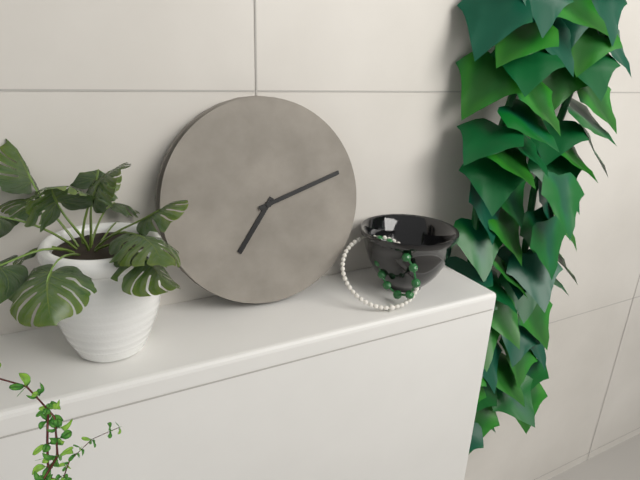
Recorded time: 7.12
